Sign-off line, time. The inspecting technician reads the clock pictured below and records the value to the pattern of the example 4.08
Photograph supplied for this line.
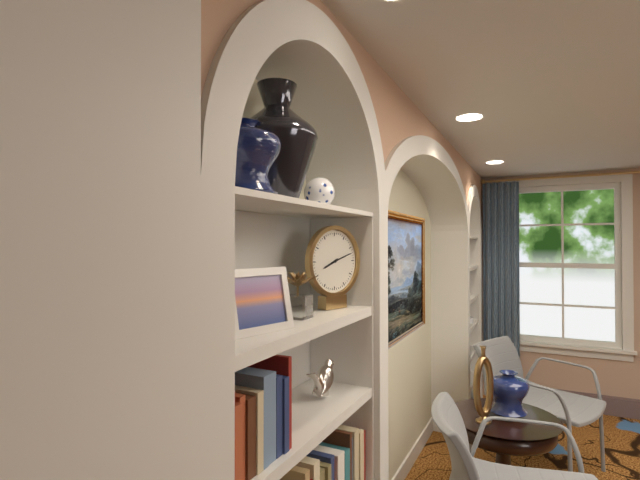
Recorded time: 8.12
